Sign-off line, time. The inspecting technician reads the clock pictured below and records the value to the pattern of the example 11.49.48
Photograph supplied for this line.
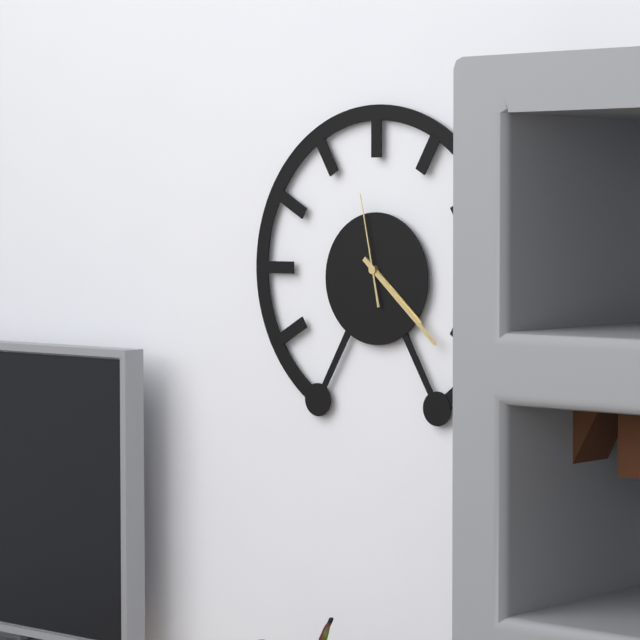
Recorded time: 4.22.58
